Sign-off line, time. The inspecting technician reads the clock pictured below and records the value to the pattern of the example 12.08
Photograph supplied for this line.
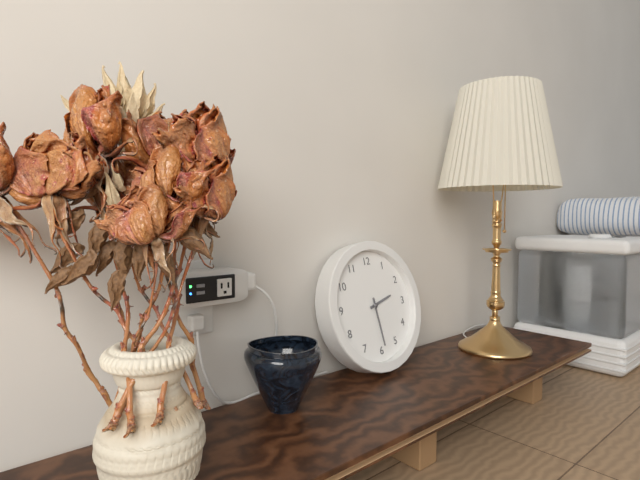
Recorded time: 2.29
